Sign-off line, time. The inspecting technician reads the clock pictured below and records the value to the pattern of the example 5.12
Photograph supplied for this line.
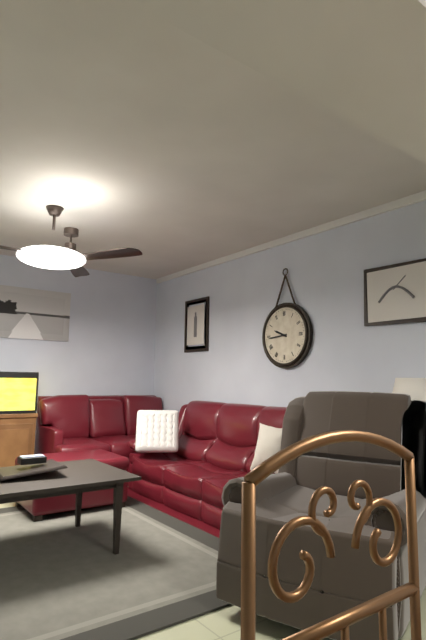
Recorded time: 9.44
